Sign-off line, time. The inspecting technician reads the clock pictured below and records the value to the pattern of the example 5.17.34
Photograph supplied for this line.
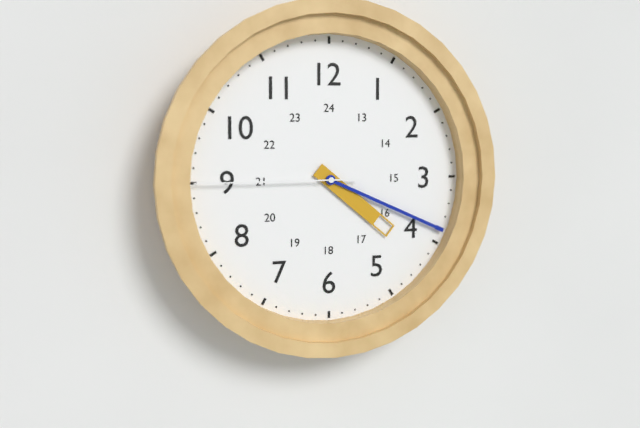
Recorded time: 4.19.45
